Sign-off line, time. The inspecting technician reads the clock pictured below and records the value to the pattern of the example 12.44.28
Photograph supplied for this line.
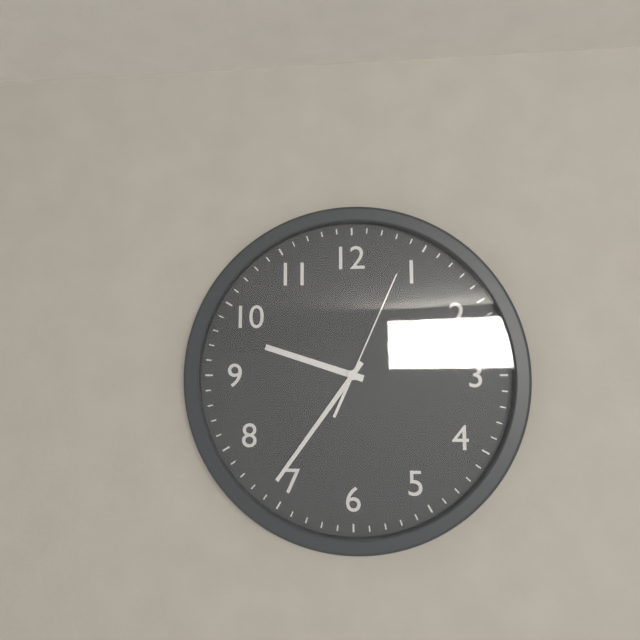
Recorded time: 9.36.04
